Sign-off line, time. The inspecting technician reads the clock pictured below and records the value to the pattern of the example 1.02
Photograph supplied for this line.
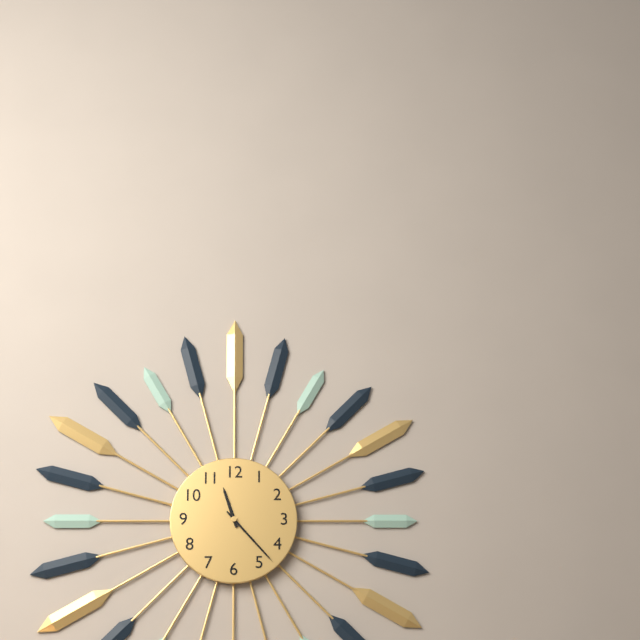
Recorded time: 11.23
